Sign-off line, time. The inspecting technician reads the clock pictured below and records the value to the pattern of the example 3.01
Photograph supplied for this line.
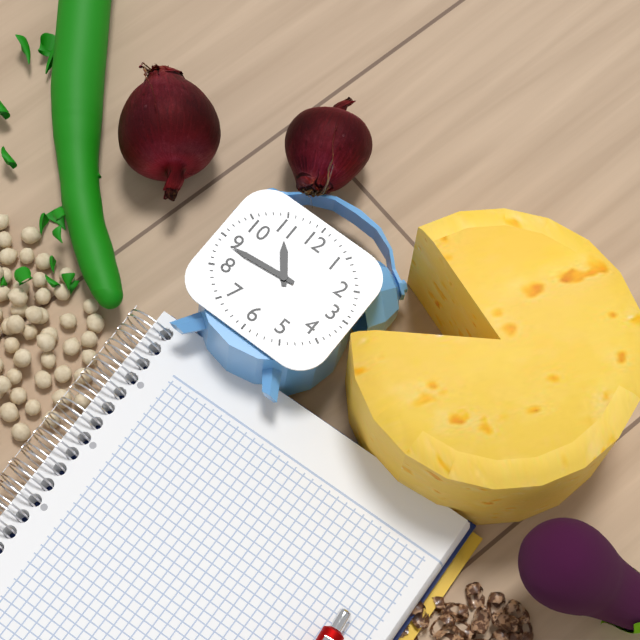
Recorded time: 10.44
